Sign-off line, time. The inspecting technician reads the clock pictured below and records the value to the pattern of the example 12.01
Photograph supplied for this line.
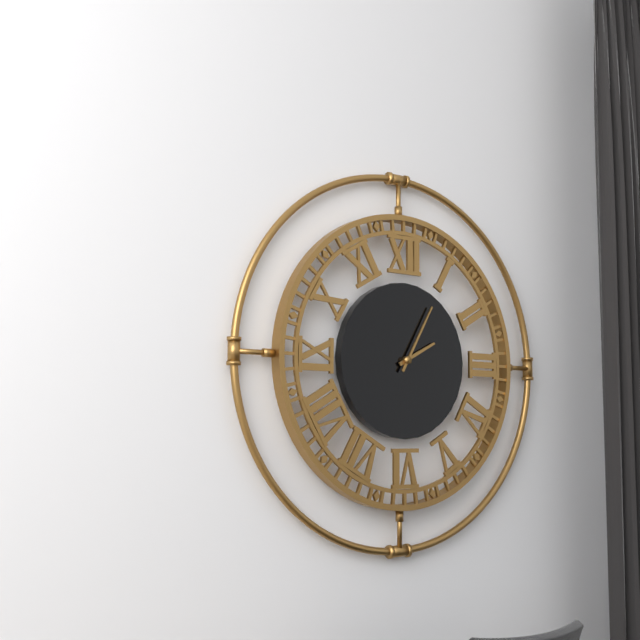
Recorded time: 2.05
